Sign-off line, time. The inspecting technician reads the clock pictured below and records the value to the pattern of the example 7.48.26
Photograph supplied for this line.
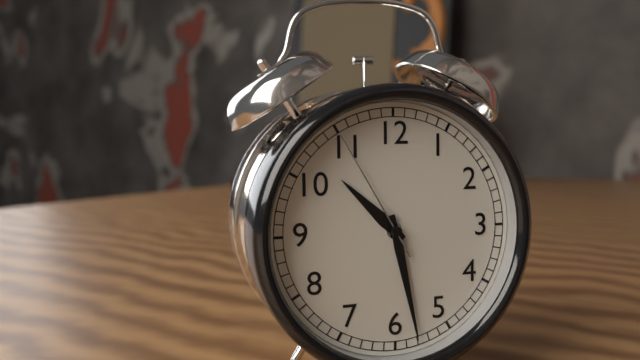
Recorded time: 10.28.55
